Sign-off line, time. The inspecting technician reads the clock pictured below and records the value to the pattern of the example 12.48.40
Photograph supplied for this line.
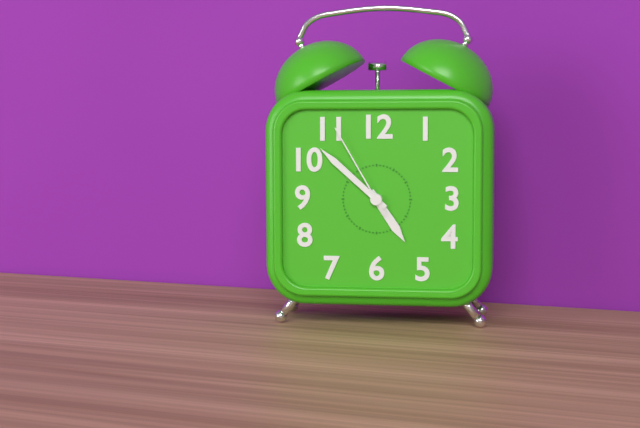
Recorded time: 4.52.55
